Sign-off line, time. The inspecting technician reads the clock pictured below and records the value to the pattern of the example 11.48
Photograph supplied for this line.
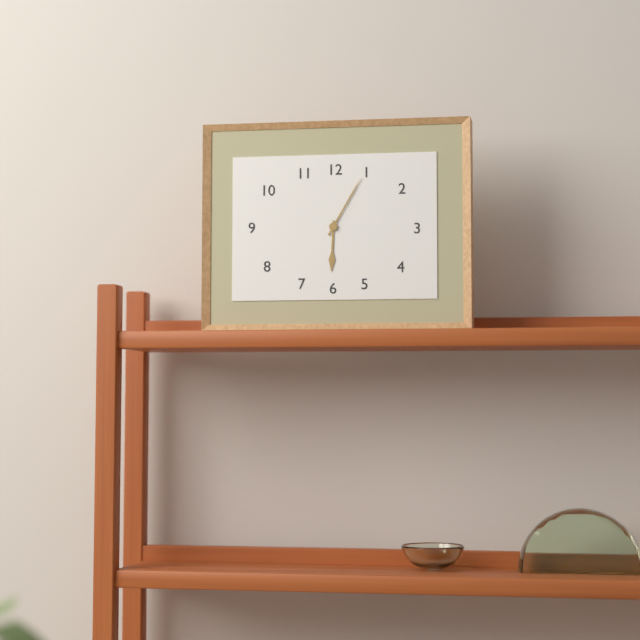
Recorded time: 6.05
